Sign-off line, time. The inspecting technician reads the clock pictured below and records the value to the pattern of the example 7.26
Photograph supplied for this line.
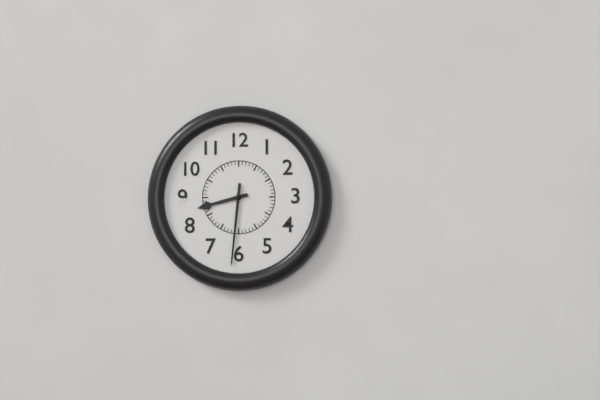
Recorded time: 8.31
